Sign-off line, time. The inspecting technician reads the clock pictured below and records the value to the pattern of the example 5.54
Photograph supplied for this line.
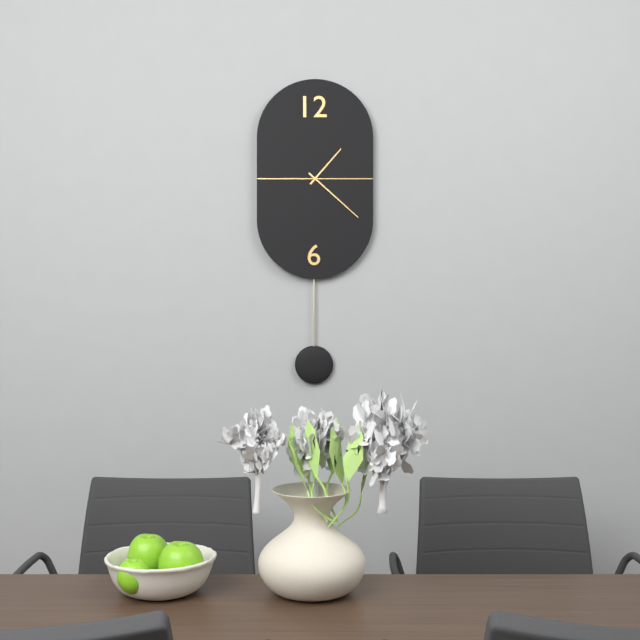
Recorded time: 1.22
